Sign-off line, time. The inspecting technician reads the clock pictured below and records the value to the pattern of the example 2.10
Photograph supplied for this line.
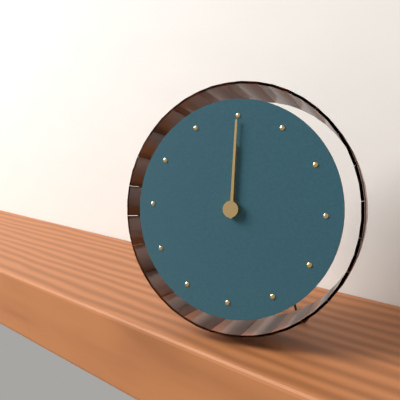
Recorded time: 12.00
